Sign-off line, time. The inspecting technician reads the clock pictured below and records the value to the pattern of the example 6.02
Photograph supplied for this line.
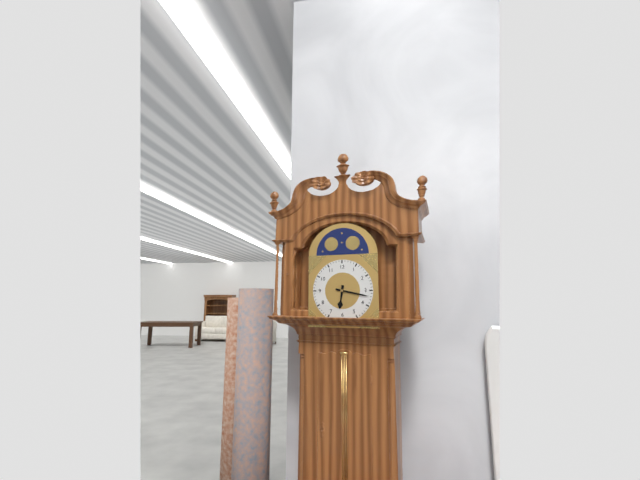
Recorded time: 6.17
